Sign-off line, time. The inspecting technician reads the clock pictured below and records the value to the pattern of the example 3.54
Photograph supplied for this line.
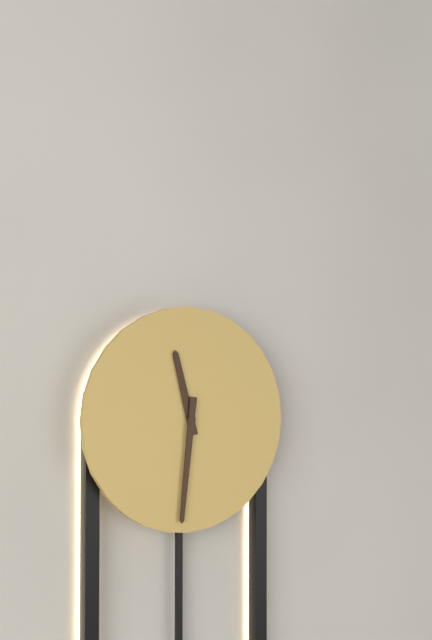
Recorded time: 11.31
